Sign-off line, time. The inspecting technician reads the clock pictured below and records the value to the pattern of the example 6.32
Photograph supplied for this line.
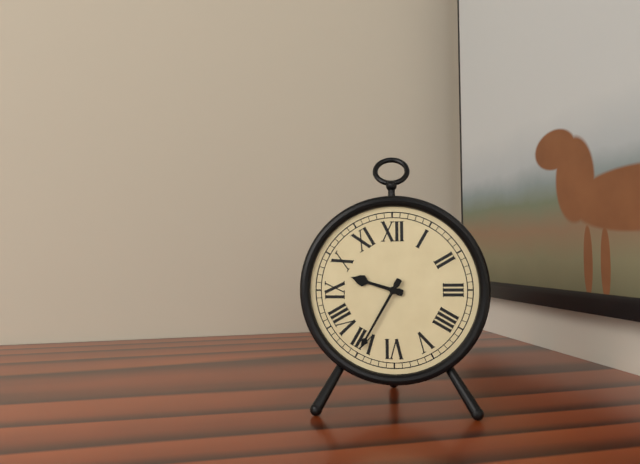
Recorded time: 9.35
